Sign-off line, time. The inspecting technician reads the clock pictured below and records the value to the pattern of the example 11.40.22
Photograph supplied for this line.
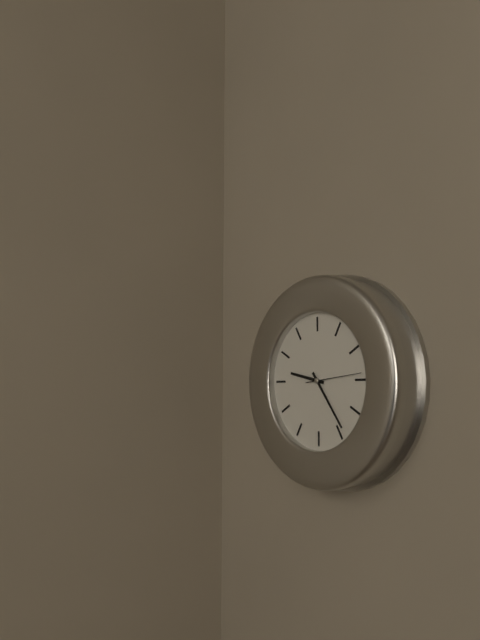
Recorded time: 9.24.14
